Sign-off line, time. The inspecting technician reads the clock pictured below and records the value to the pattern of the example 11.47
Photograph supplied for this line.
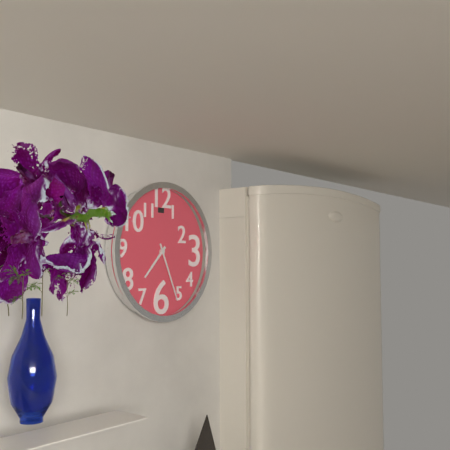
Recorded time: 7.26
